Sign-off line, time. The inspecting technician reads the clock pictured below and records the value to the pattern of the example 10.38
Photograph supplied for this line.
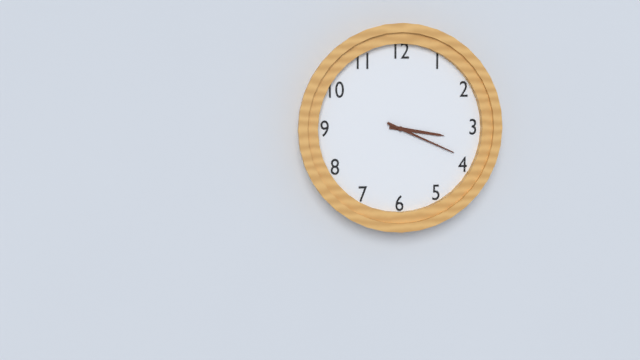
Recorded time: 3.19
